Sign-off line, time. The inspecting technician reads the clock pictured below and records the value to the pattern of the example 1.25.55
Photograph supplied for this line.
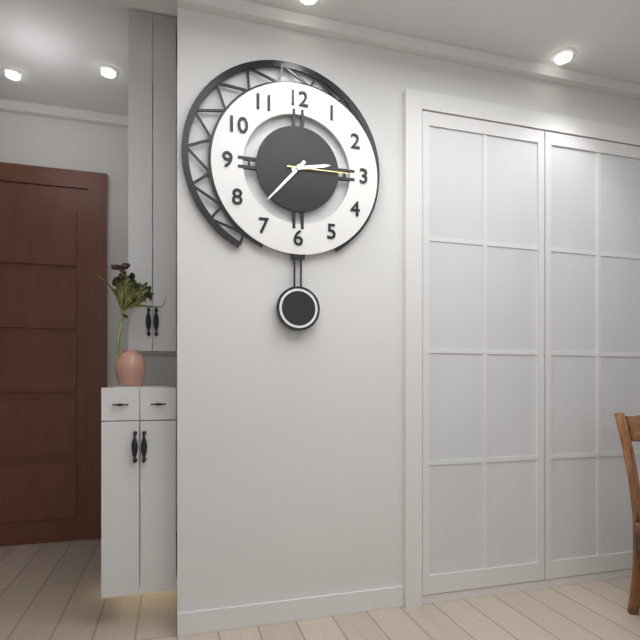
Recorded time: 2.37.15
